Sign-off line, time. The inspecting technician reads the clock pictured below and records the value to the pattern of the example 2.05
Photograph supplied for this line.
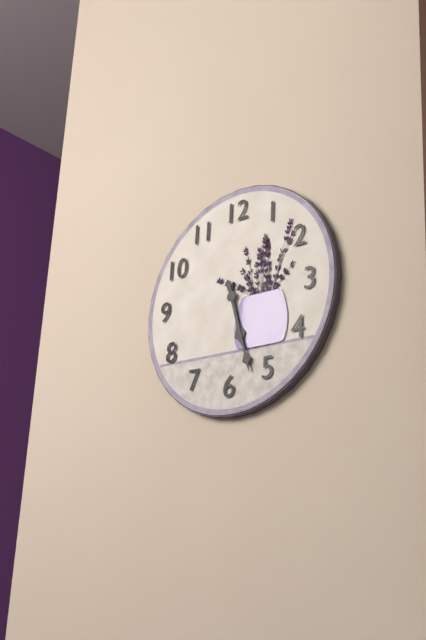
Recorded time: 5.27
